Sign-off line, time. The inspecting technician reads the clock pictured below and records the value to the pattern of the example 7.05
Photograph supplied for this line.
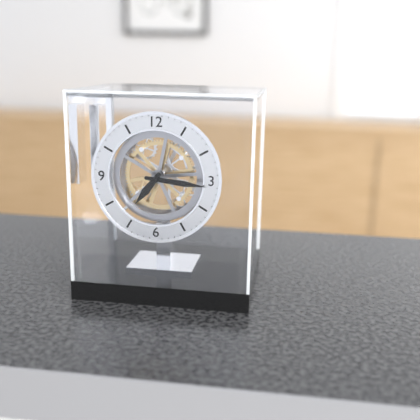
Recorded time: 7.16
